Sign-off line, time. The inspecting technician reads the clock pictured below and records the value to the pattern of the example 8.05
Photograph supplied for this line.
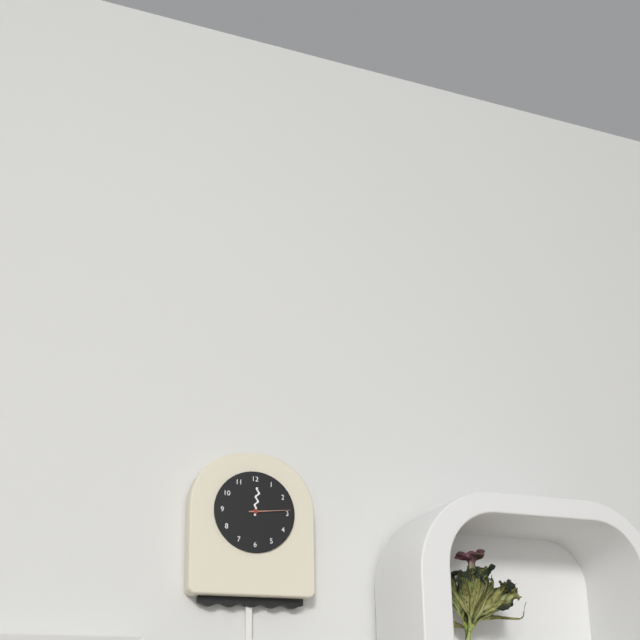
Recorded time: 12.14
